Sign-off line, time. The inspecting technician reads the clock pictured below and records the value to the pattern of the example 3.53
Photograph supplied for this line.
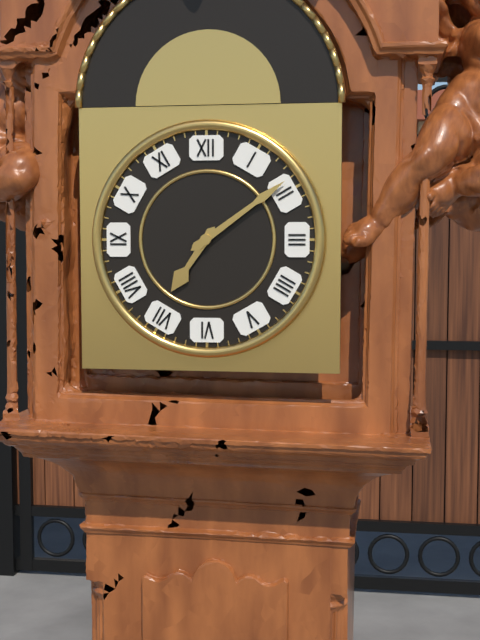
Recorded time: 7.09
